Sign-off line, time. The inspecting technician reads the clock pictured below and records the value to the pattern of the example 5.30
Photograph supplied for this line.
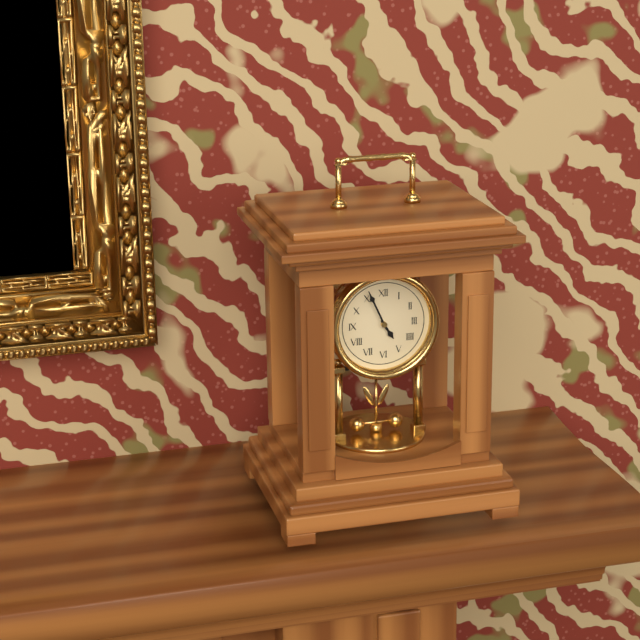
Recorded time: 4.56
